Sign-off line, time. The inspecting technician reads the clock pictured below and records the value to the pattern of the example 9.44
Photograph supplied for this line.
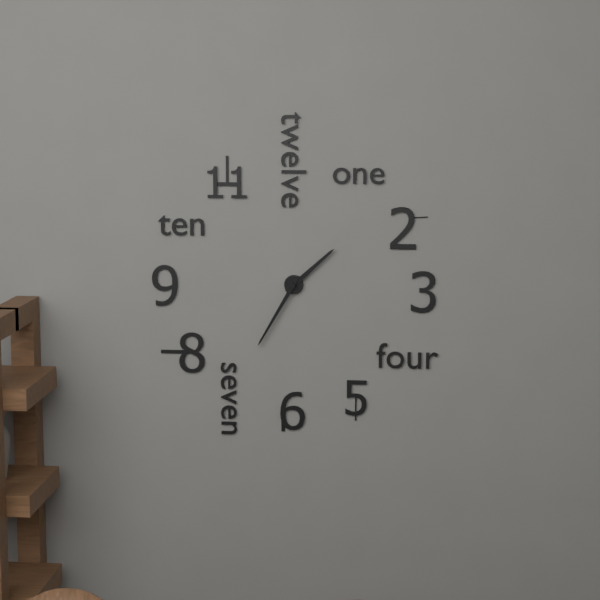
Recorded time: 1.35
